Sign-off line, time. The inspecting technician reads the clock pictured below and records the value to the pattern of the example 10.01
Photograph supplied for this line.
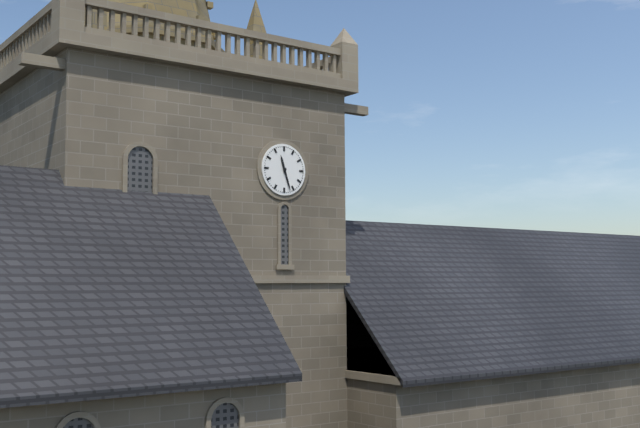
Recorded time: 11.27
